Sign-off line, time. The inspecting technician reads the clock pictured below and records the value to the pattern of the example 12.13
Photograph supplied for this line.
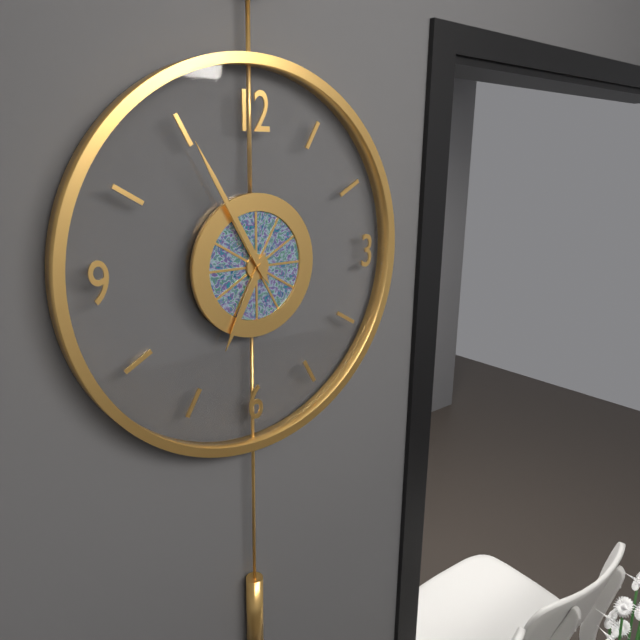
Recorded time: 6.55
